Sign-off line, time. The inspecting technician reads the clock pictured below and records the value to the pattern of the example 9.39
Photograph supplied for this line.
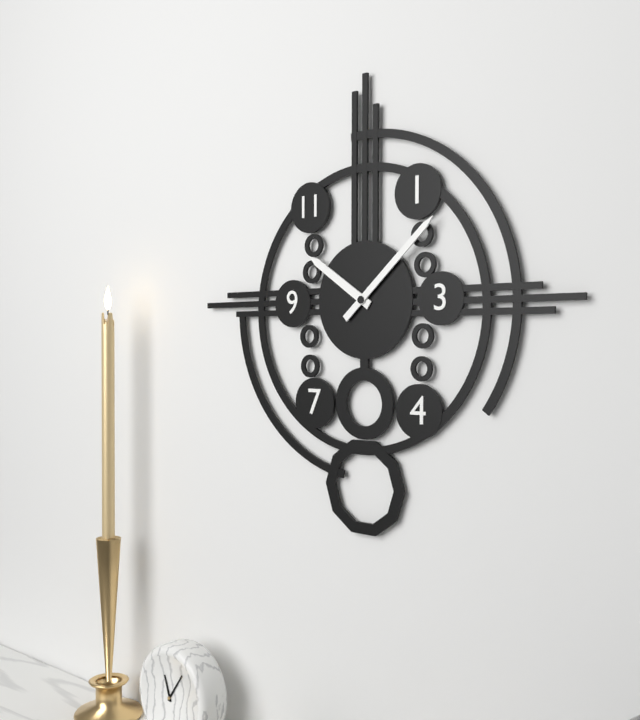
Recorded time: 10.08
